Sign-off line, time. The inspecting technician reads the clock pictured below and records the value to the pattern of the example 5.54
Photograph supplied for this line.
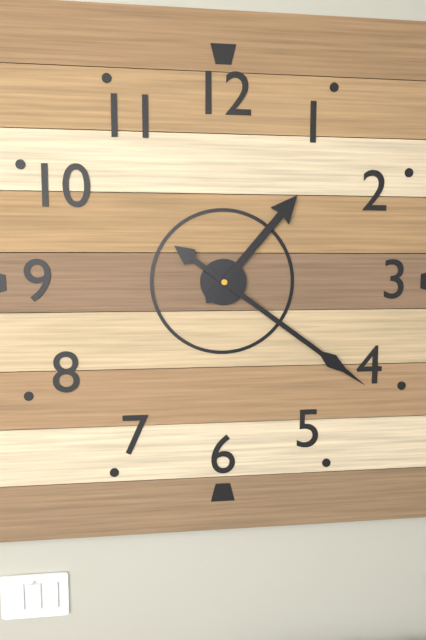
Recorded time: 1.21
